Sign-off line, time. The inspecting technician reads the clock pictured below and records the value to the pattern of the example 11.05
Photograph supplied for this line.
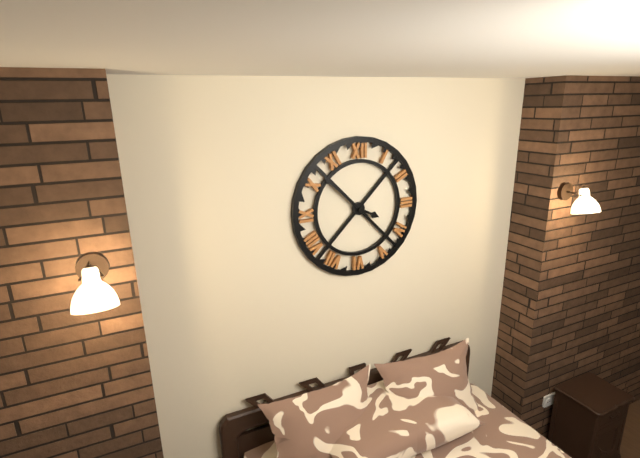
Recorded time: 3.52
